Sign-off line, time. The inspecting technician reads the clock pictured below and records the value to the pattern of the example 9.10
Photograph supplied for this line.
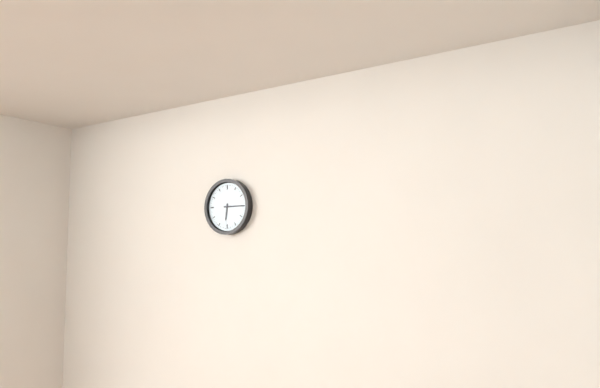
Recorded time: 6.15
